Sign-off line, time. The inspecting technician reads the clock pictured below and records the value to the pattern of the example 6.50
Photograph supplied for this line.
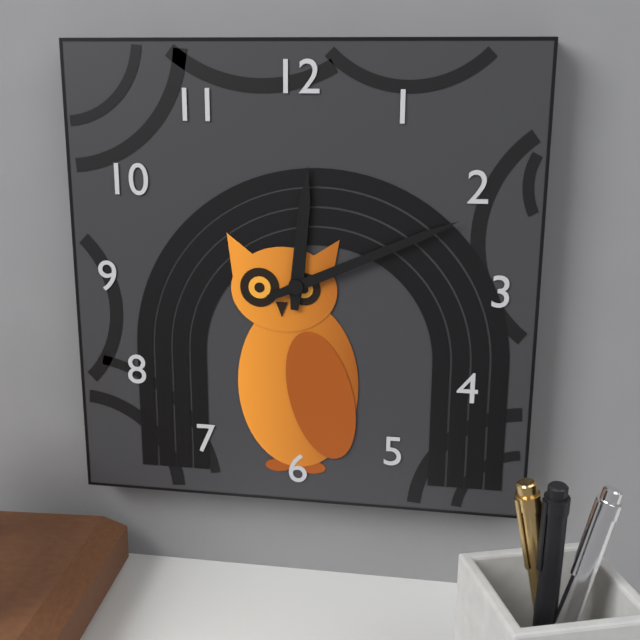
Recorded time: 12.11
